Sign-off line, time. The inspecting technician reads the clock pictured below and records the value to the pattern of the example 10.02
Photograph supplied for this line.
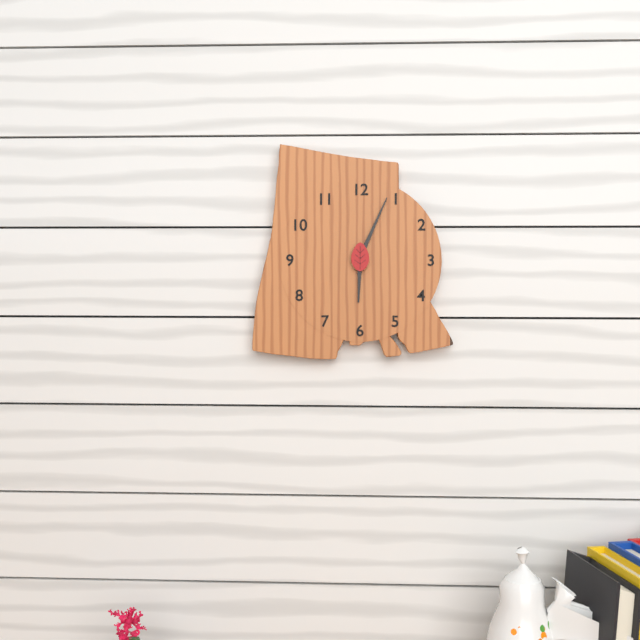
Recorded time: 6.04
